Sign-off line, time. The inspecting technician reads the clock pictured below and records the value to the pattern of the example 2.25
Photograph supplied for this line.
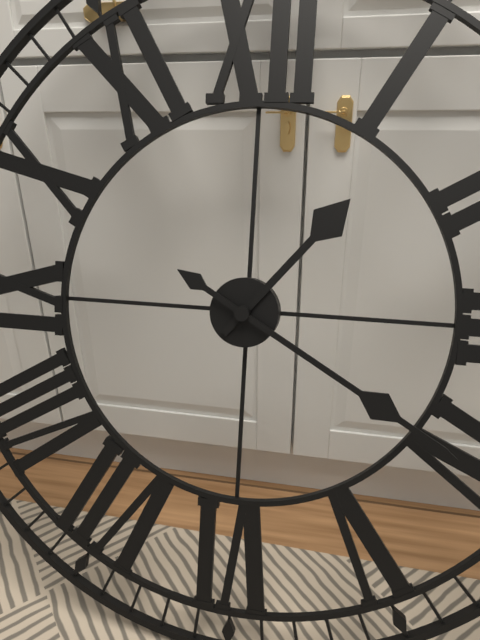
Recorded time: 1.20
